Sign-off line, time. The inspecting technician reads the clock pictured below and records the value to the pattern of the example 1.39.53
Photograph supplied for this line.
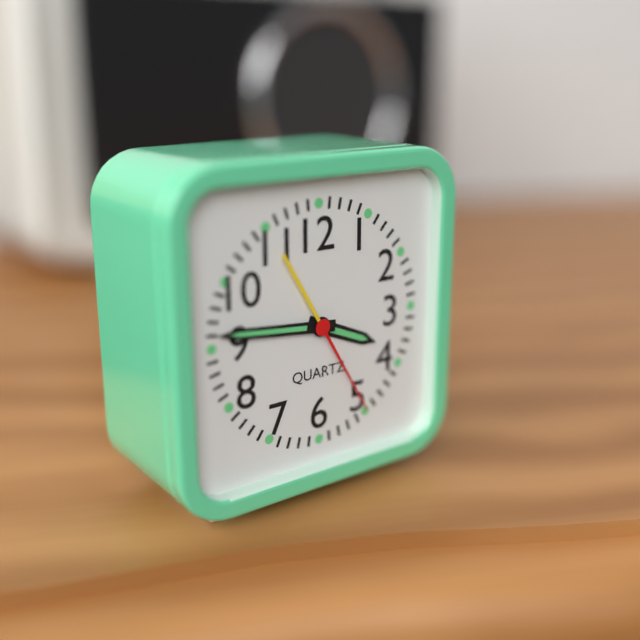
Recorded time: 3.46.25
